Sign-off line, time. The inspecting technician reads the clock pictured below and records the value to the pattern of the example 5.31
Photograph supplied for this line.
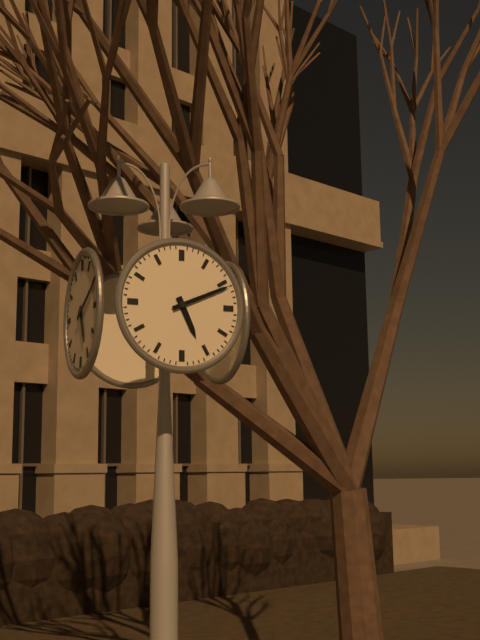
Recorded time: 5.11
